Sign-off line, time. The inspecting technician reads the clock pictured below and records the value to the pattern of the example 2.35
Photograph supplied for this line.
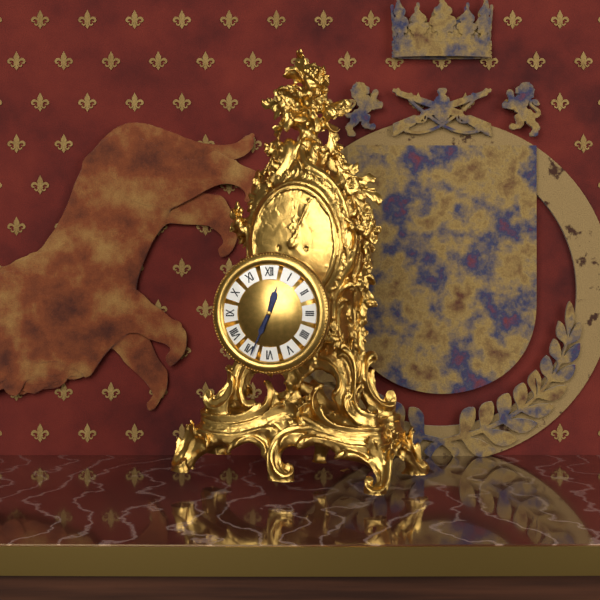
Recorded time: 12.34
